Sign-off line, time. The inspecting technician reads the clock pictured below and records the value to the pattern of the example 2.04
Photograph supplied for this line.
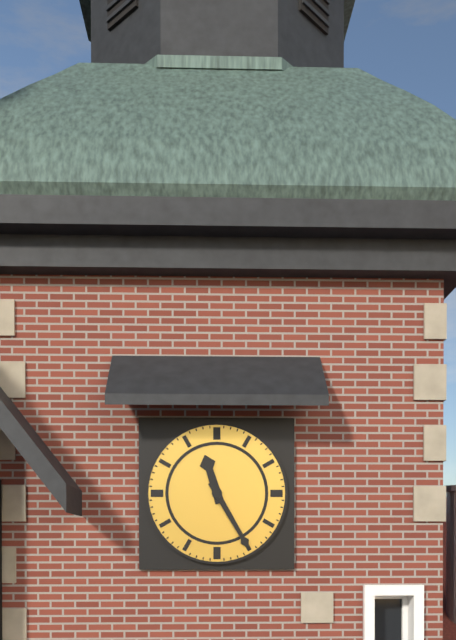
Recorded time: 11.25
